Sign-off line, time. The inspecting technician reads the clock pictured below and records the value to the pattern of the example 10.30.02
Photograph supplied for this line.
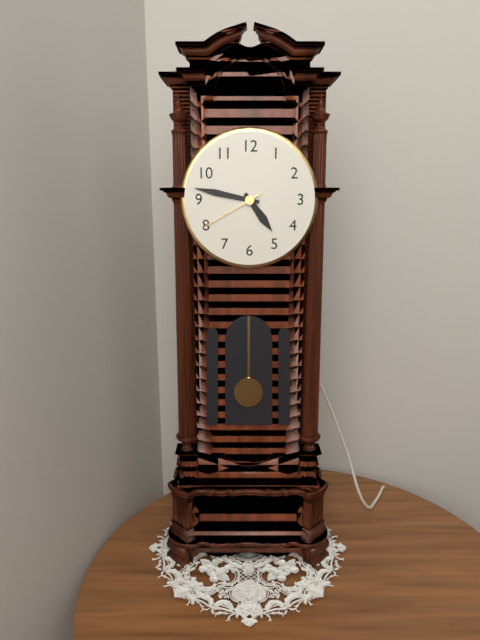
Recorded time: 4.47.40
